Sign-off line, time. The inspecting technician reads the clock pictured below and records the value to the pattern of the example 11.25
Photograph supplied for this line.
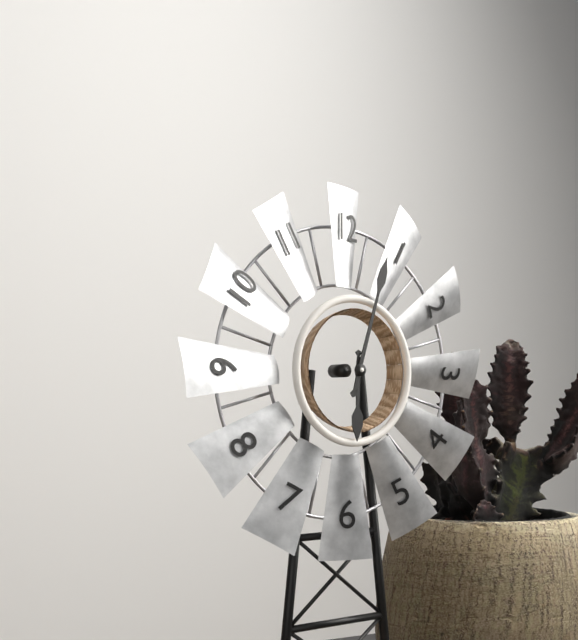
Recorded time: 6.03
